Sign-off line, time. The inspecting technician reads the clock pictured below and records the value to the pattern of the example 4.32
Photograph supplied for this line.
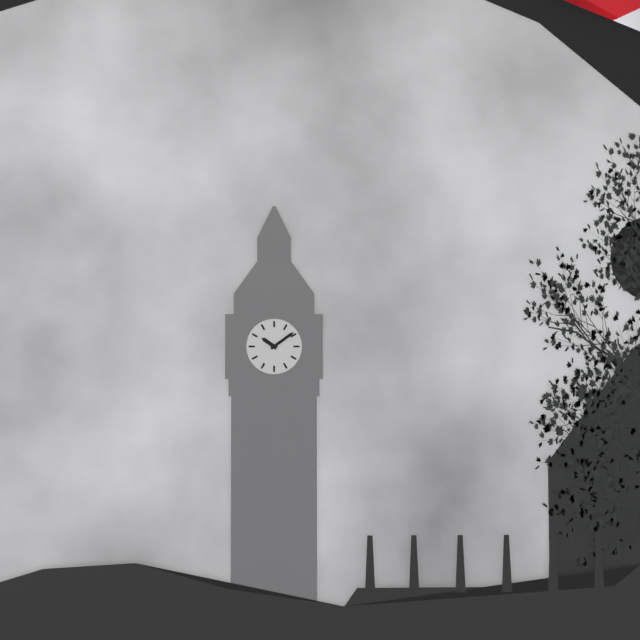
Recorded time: 10.09
